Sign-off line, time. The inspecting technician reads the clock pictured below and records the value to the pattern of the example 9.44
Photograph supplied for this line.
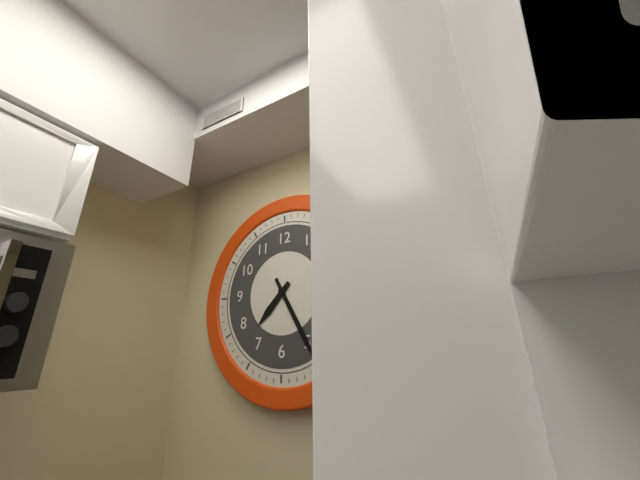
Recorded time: 7.25
